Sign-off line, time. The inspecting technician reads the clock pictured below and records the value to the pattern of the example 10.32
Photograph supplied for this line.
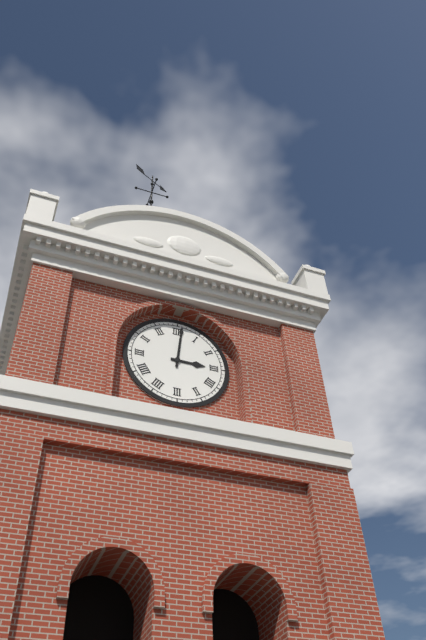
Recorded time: 3.01
